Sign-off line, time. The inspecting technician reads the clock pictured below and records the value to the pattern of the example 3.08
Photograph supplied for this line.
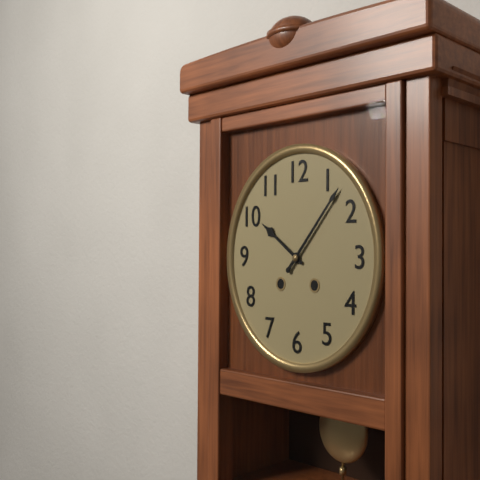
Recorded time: 10.07
